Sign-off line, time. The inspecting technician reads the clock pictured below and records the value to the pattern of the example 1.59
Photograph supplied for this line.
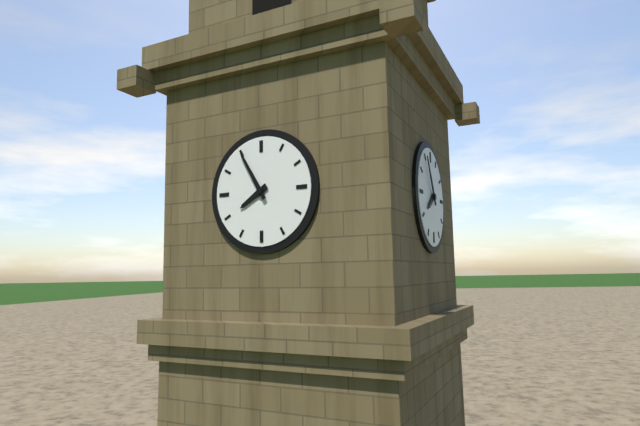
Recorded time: 7.55
